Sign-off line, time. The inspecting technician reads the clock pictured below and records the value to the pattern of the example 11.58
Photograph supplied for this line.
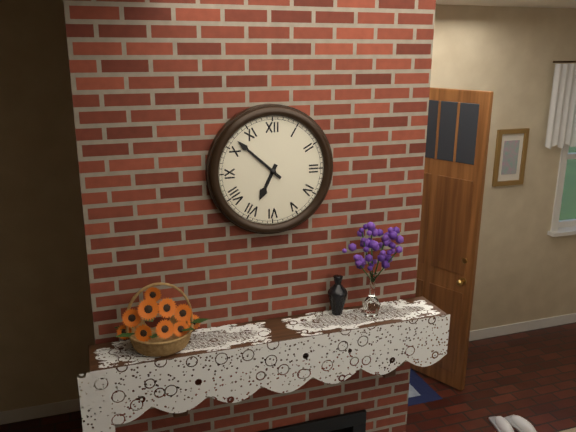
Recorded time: 6.52
